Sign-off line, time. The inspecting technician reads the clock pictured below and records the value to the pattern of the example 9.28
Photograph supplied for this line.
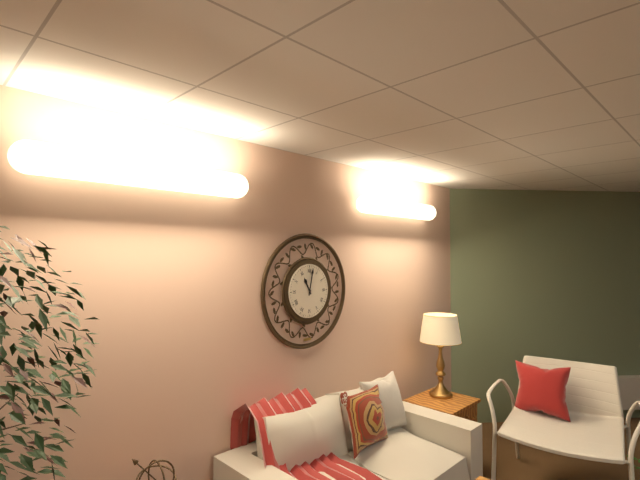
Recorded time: 11.02
